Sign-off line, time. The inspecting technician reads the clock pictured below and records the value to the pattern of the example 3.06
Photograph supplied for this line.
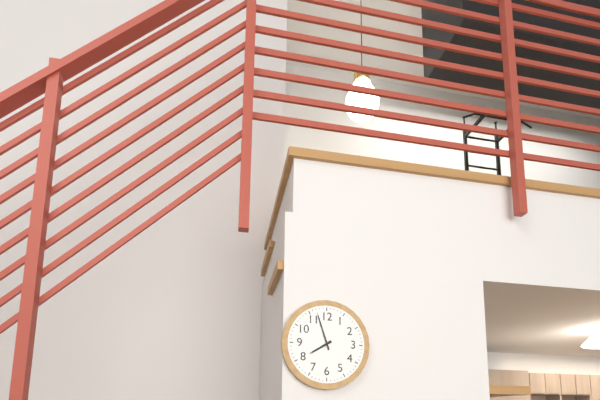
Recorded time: 7.57
